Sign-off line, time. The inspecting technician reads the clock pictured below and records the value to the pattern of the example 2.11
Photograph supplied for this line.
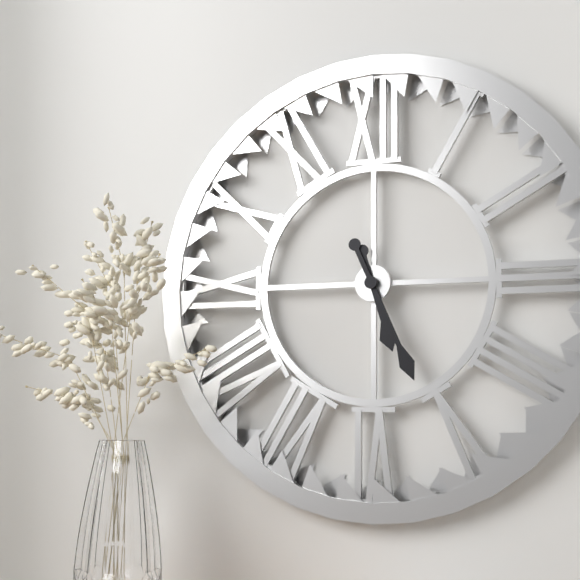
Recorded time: 5.26
